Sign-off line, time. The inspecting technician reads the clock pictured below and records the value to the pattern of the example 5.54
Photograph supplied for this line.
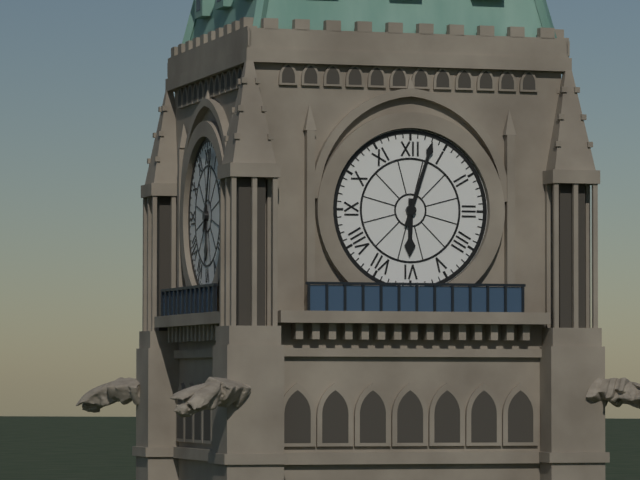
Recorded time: 6.03
